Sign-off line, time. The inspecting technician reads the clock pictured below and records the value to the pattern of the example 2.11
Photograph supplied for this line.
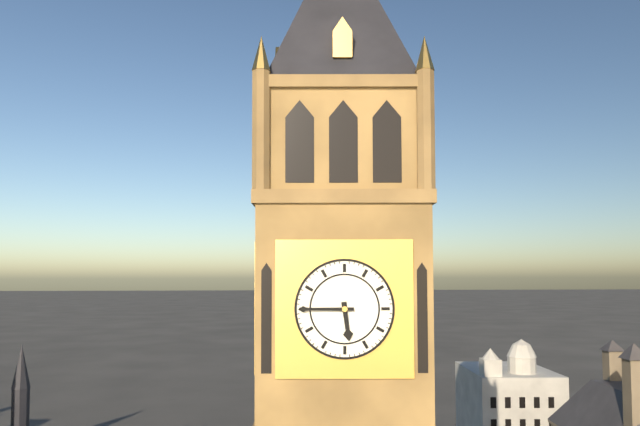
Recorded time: 5.45
